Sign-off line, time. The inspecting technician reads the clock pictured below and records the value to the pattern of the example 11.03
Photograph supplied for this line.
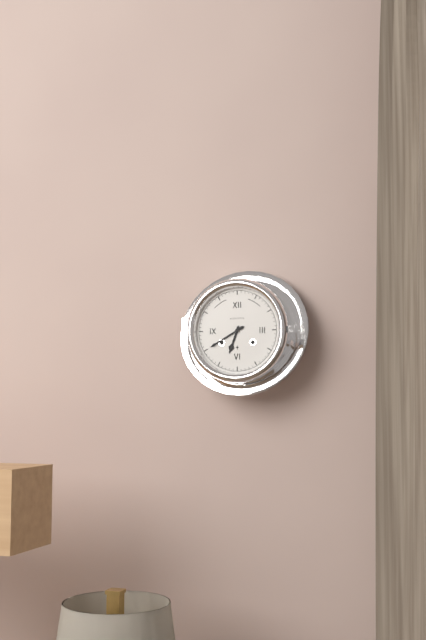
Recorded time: 6.40
